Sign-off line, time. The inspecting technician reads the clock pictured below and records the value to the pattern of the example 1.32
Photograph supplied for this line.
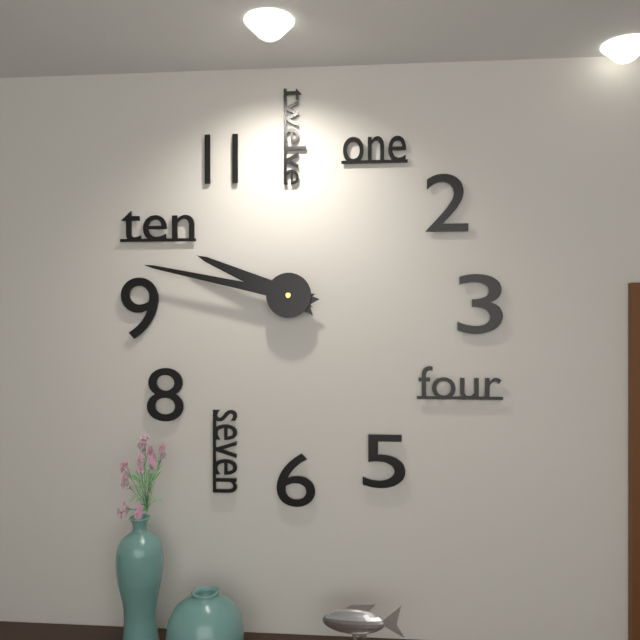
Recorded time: 9.47
